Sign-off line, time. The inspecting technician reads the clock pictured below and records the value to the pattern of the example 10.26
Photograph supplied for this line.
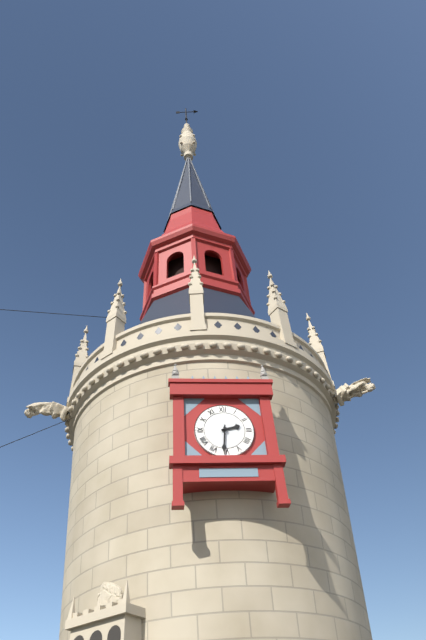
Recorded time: 2.31
